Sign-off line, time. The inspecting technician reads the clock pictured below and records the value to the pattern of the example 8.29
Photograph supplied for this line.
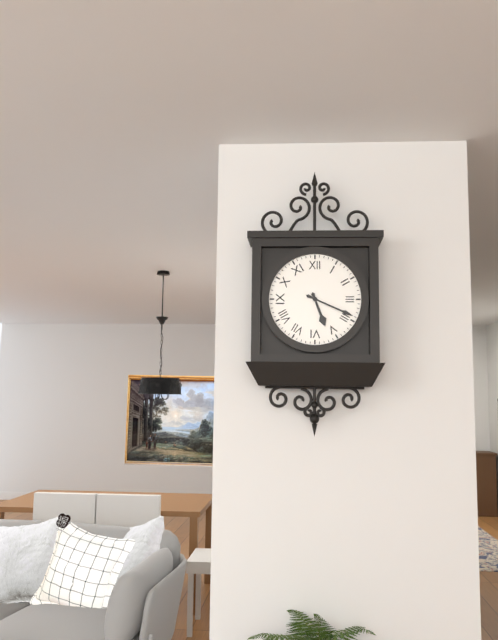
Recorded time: 5.19
